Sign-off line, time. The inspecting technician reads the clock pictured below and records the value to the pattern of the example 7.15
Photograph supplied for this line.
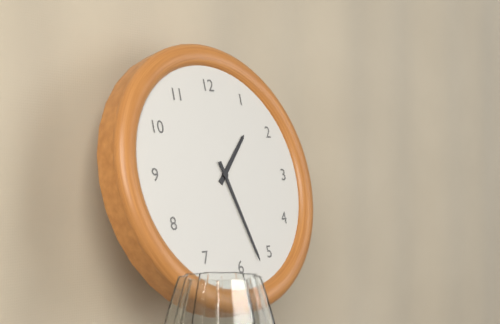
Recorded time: 1.27
